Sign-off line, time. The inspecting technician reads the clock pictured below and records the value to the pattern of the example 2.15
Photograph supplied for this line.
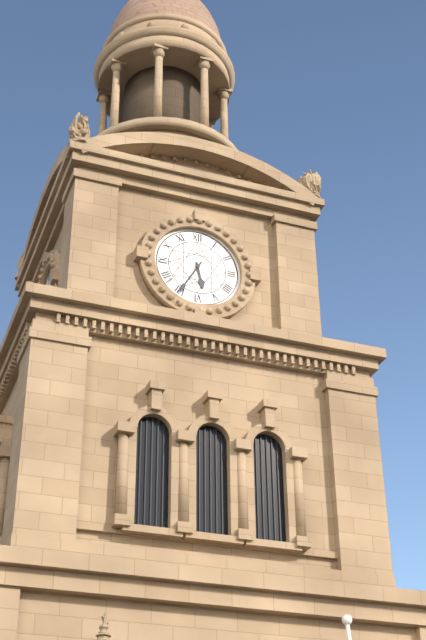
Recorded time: 5.35
